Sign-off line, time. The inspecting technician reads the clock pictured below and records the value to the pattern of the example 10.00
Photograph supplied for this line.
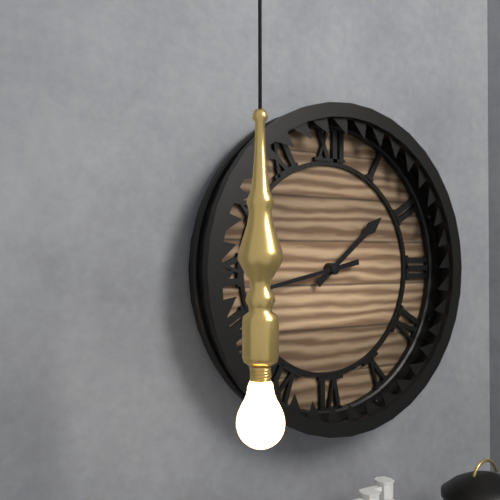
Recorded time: 1.43
